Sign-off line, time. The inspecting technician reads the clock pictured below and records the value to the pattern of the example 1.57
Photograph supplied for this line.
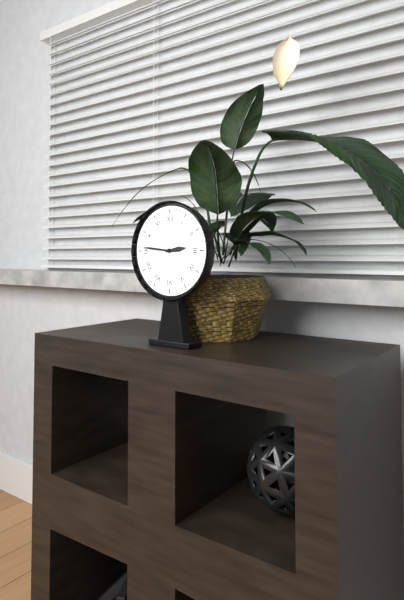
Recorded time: 2.46
